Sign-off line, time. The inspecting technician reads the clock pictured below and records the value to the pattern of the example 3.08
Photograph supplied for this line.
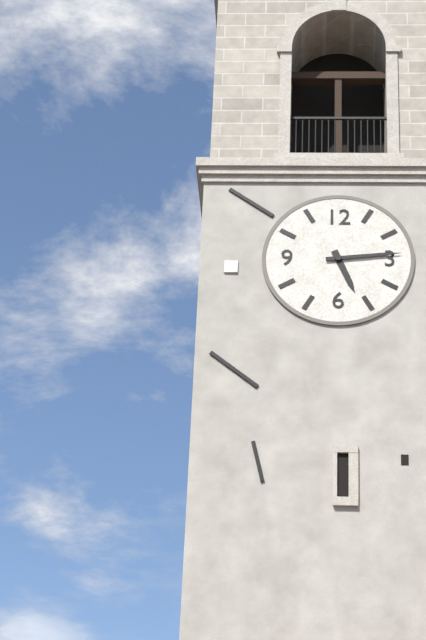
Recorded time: 5.14
